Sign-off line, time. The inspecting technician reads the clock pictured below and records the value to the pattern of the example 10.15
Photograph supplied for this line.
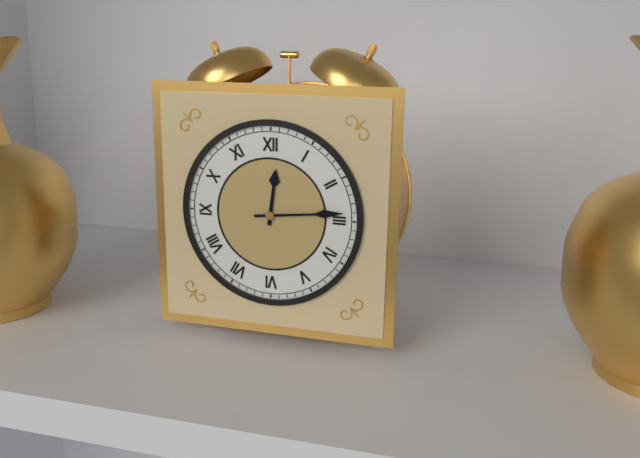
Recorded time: 12.14
